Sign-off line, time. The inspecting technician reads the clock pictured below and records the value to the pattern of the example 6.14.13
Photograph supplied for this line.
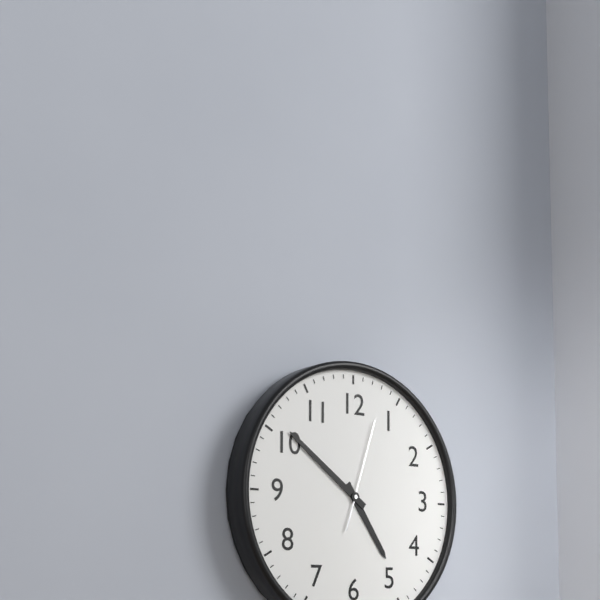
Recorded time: 4.51.03
